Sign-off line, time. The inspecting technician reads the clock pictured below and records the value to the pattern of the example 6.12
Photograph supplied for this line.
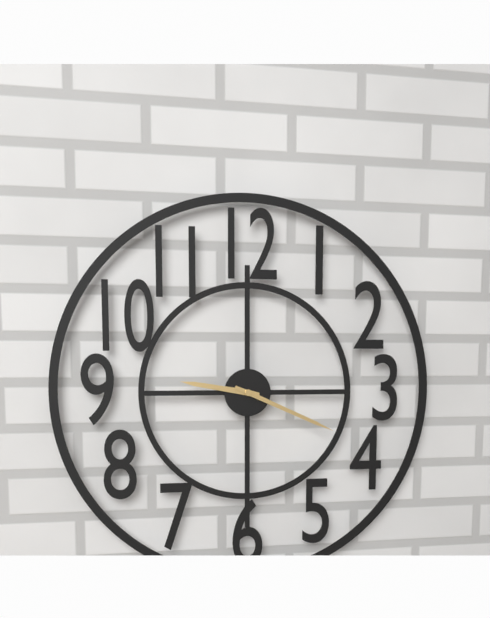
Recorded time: 9.19
